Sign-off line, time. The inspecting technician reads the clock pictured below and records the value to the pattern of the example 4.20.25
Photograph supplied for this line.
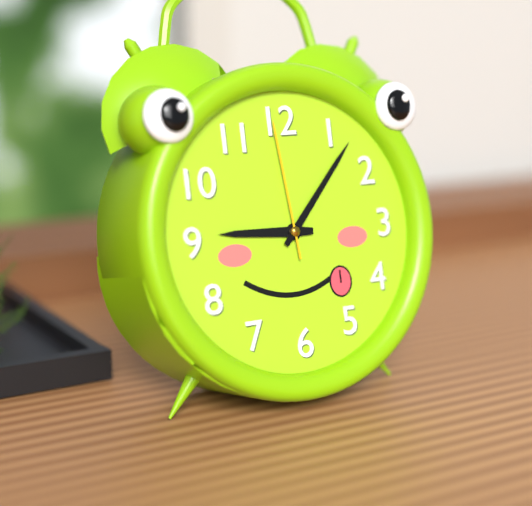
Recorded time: 9.07.59
